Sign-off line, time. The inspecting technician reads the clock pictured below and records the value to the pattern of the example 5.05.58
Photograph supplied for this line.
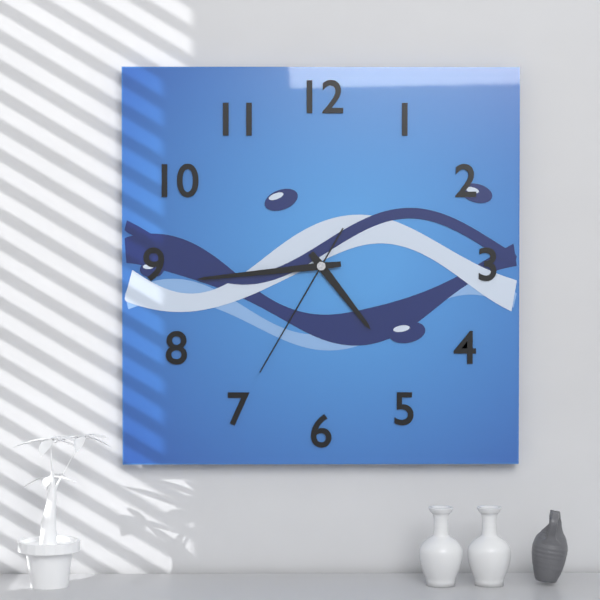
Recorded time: 4.44.35
